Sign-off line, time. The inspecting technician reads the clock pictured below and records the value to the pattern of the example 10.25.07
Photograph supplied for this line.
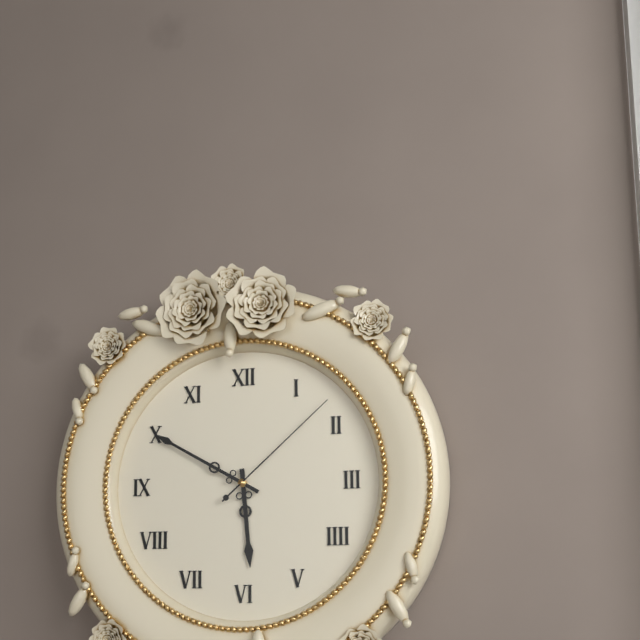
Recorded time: 5.50.08
